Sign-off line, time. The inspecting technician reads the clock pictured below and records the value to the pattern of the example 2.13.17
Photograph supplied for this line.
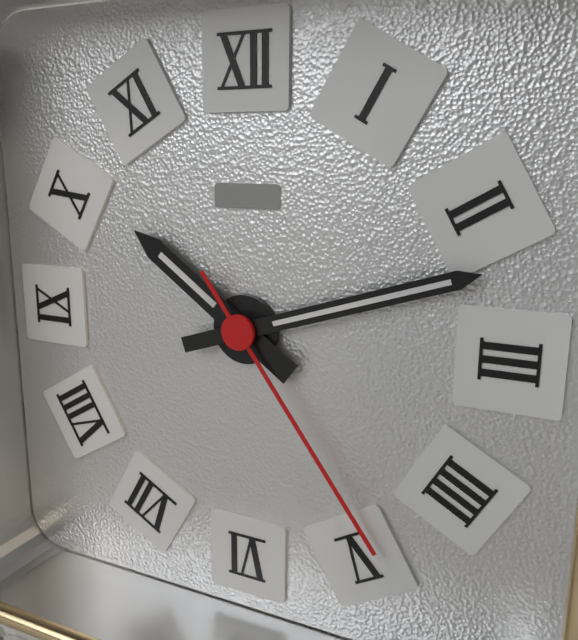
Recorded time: 10.12.24
